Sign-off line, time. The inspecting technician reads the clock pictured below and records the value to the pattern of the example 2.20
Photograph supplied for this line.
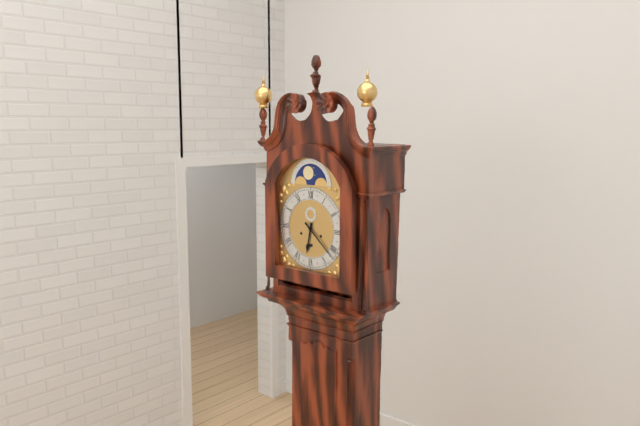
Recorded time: 6.22
